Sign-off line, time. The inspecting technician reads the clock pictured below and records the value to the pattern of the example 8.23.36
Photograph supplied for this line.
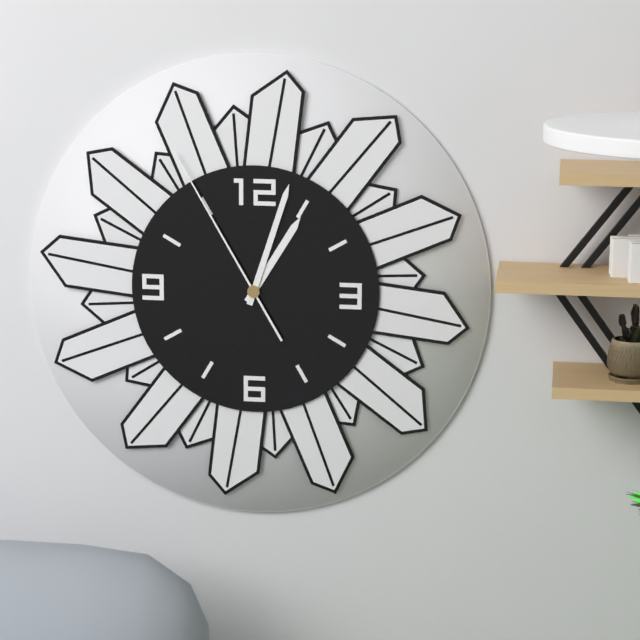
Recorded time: 1.03.55
